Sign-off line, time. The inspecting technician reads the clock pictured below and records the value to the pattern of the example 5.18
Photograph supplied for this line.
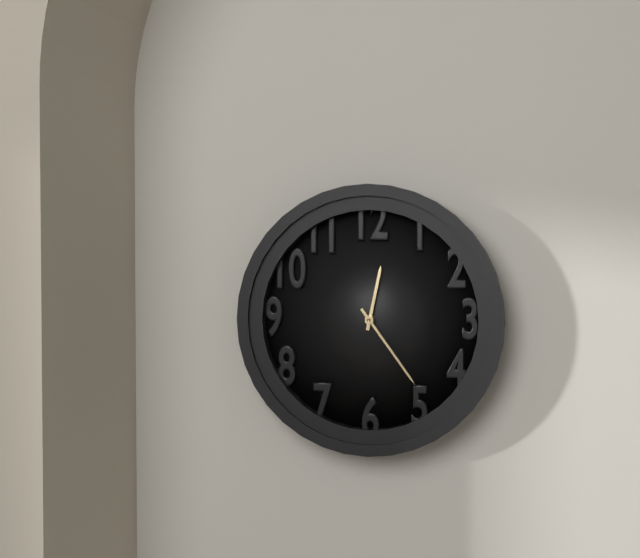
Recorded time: 12.24
